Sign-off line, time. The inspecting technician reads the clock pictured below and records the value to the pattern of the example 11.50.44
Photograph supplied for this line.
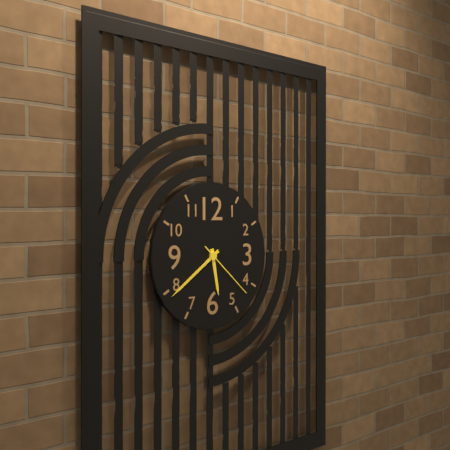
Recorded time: 5.39.22
